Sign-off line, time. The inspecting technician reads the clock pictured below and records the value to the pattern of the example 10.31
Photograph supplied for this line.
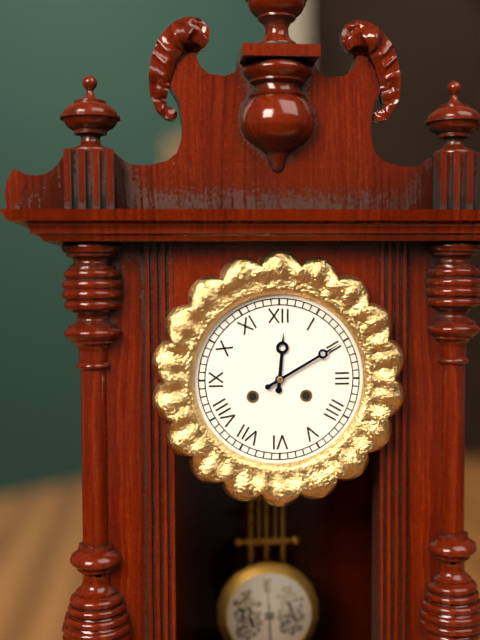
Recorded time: 12.10
